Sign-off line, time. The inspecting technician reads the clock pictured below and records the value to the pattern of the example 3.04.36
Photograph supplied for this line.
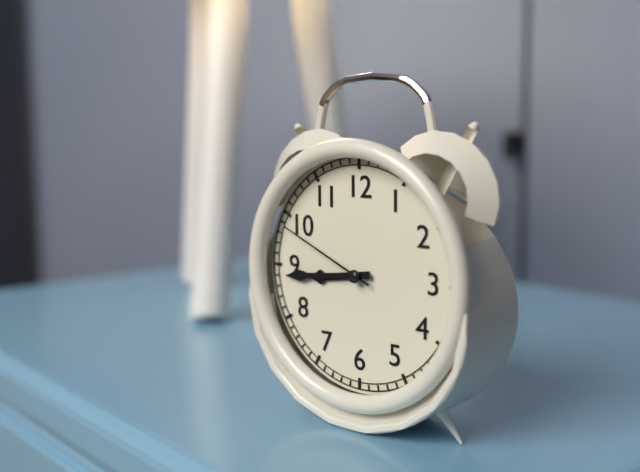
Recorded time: 8.44.49
